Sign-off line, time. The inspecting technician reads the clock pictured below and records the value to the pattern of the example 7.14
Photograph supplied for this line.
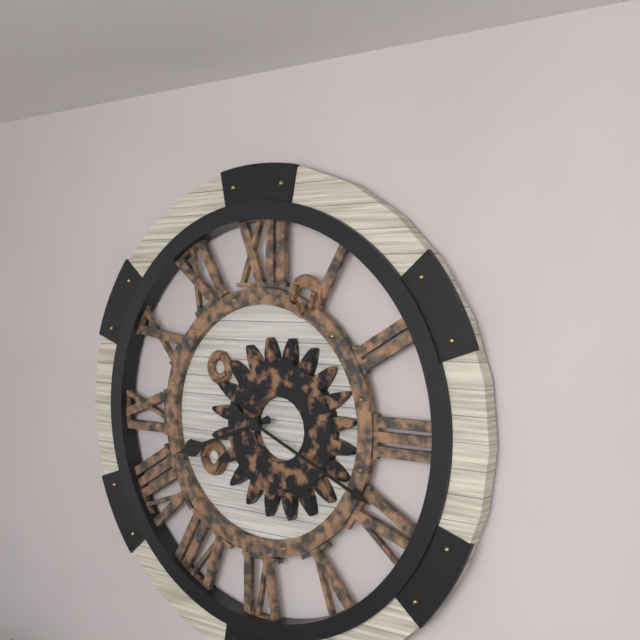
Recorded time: 8.19
